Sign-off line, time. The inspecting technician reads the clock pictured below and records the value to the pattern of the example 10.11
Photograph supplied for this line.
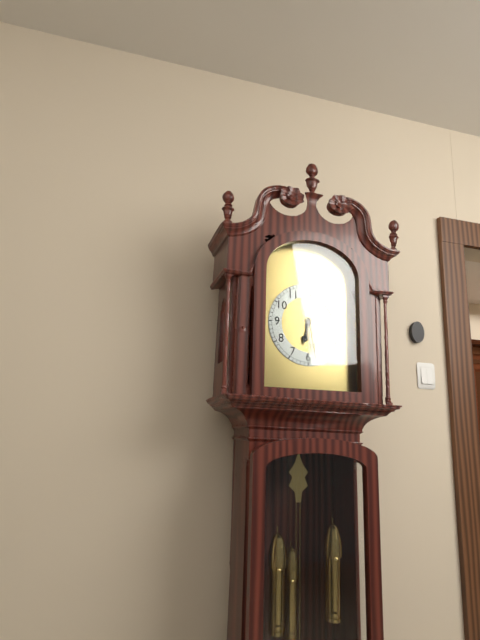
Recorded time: 6.28
